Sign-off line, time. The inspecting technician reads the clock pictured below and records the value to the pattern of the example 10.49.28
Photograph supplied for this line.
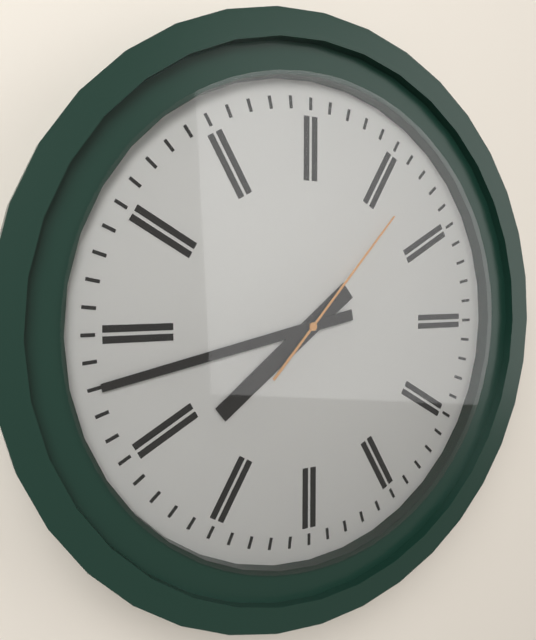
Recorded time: 7.43.07
